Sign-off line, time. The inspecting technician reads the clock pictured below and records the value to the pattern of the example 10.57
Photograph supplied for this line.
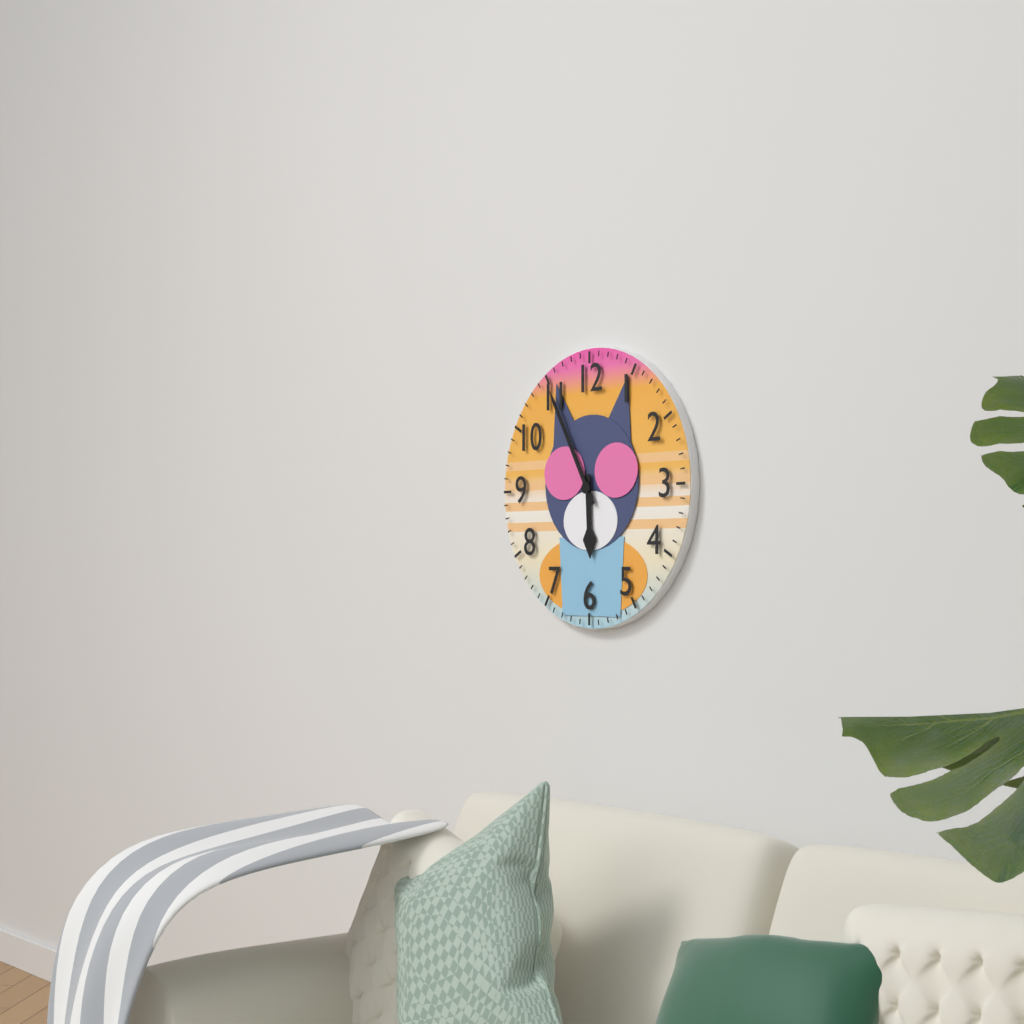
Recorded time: 5.55
